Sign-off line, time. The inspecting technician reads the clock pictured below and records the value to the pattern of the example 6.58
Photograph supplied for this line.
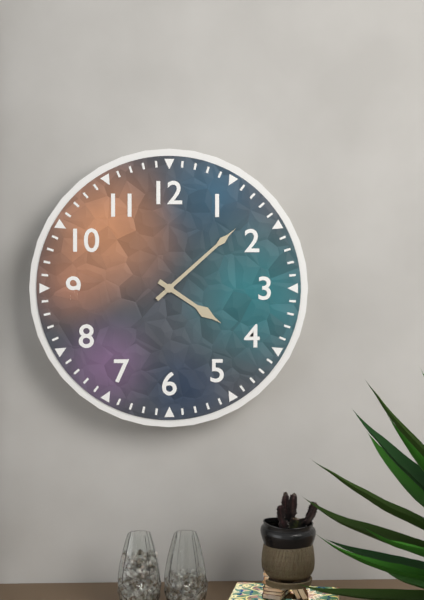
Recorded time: 4.08
